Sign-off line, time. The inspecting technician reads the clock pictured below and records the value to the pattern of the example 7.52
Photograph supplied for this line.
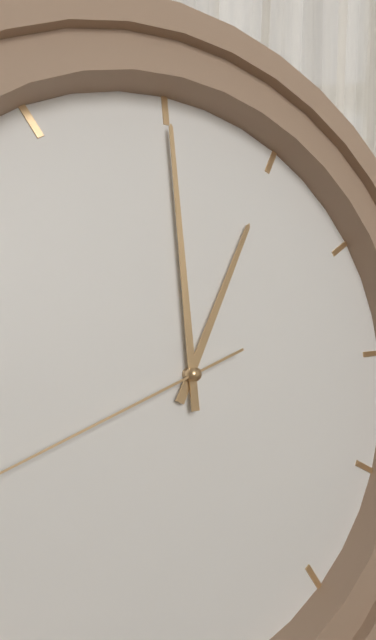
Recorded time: 1.00
